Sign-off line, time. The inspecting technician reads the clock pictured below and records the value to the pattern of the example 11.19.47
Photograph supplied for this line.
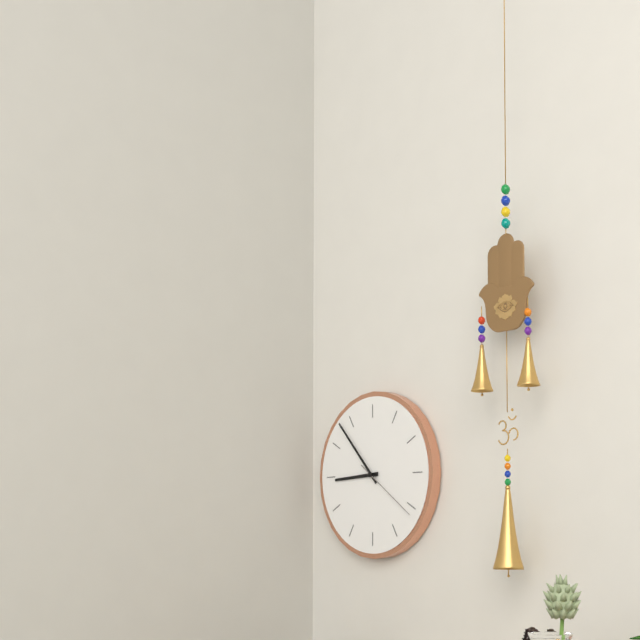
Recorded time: 8.53.21
